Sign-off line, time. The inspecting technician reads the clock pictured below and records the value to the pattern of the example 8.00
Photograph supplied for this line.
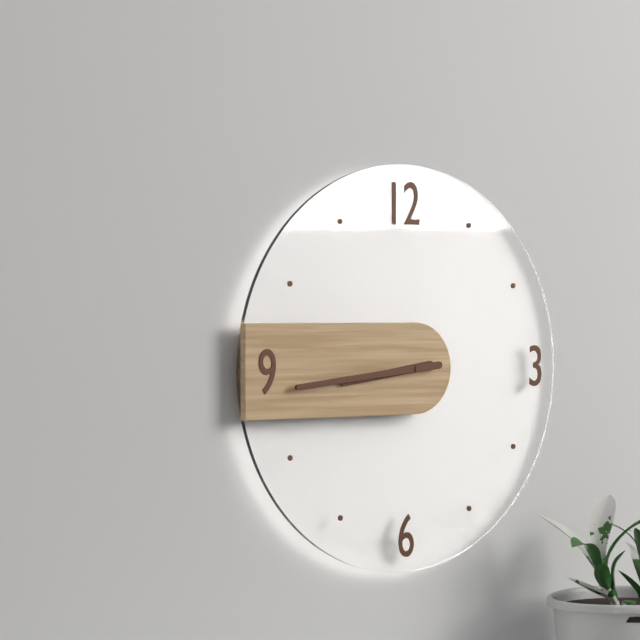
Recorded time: 8.44
